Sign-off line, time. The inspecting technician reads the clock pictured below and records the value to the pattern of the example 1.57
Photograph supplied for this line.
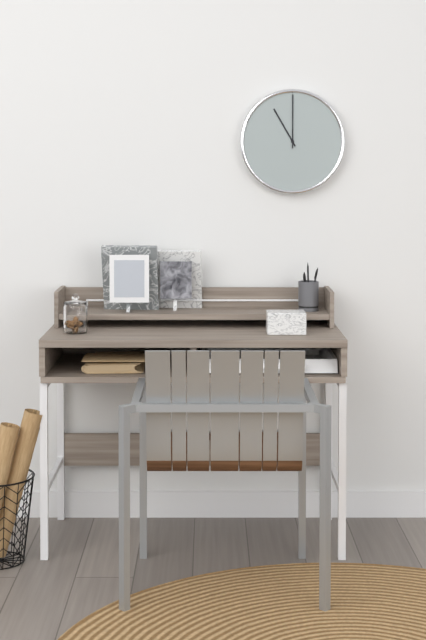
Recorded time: 11.00
